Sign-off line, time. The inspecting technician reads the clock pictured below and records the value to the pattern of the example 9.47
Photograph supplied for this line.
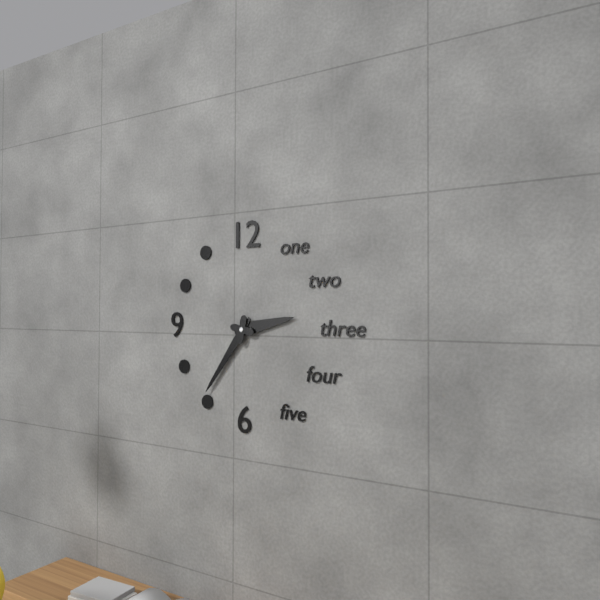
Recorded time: 2.36
